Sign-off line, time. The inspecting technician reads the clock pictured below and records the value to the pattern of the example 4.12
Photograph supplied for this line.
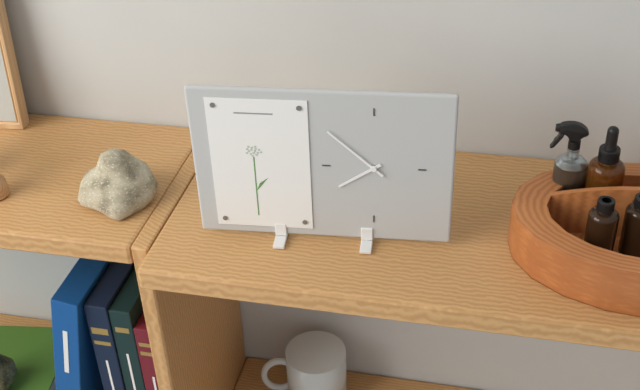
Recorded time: 7.52
